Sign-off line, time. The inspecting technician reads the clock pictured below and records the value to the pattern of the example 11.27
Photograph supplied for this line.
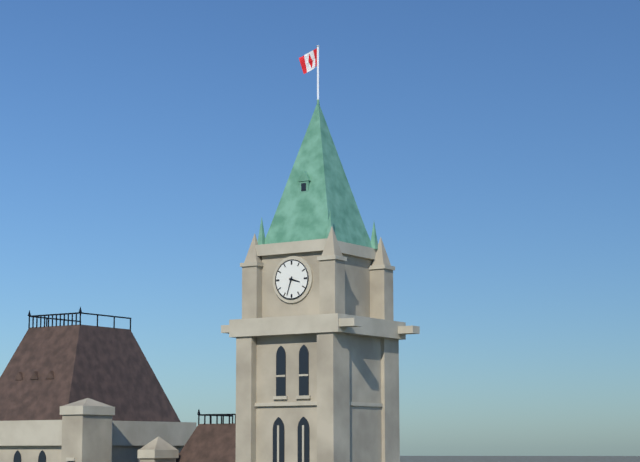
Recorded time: 3.33
